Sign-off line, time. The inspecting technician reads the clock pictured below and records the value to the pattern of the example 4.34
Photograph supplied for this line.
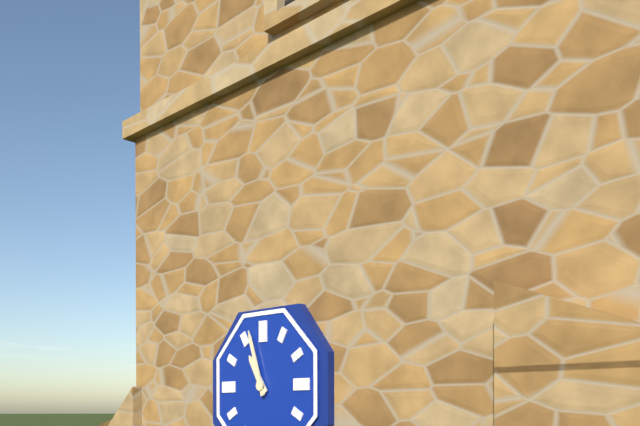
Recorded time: 10.57
